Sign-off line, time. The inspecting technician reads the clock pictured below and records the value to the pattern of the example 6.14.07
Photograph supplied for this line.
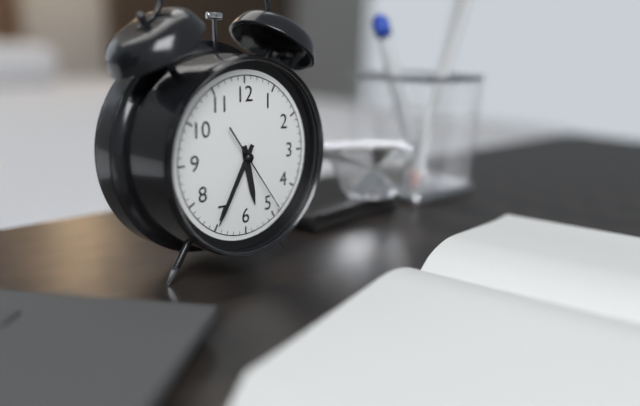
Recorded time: 5.35.24
